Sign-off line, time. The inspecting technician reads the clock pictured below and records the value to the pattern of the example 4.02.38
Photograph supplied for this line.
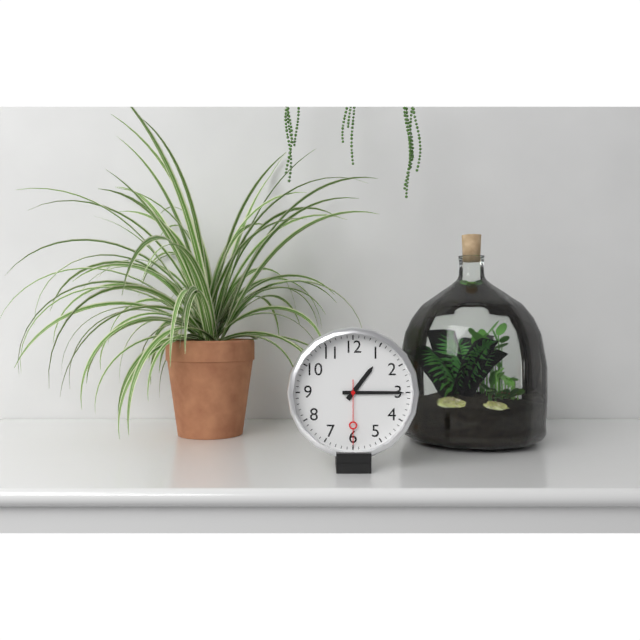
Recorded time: 1.15.30
